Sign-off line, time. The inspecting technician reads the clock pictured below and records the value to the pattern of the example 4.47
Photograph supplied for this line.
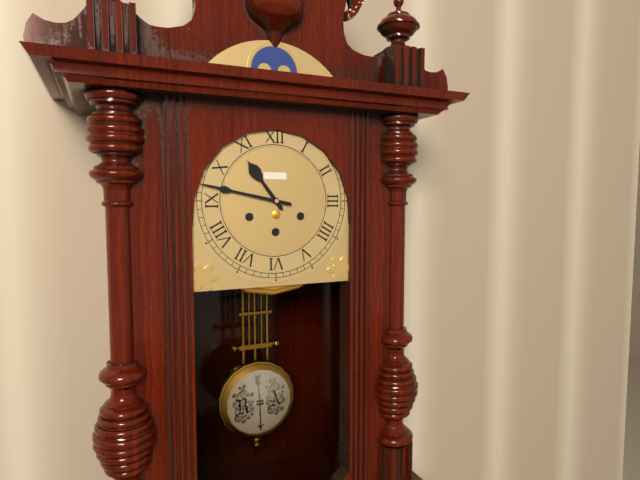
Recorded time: 10.47
